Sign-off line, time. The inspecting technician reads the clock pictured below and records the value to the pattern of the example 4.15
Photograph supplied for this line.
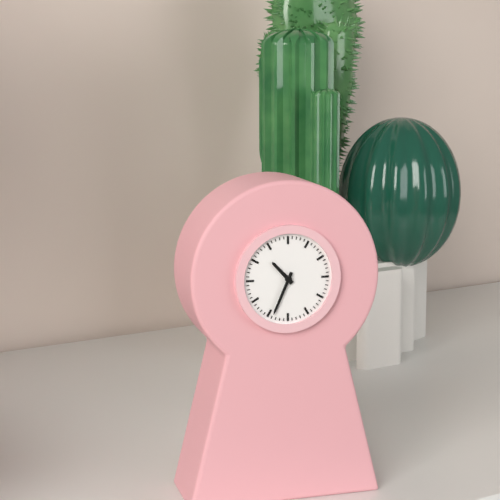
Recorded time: 10.34
